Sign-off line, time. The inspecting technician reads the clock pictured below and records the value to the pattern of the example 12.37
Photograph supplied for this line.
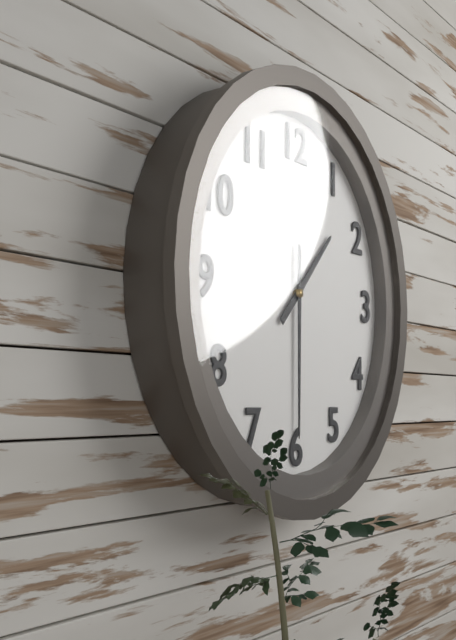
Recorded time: 1.30
